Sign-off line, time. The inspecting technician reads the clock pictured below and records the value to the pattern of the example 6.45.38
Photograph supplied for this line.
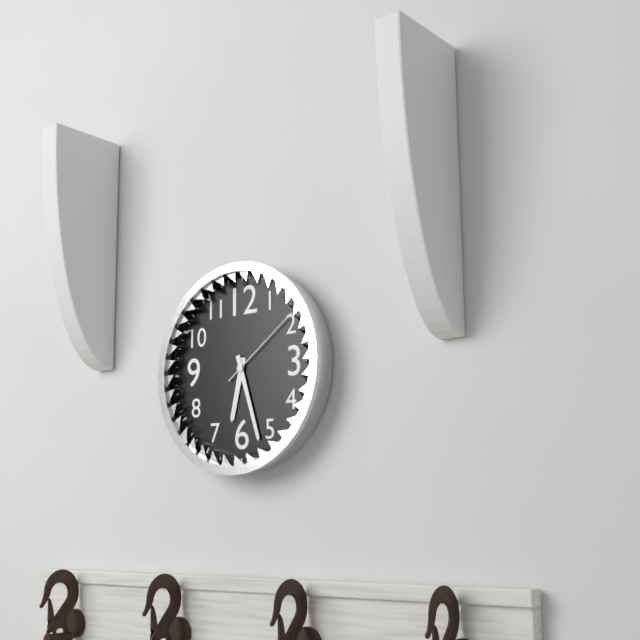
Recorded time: 6.27.09
